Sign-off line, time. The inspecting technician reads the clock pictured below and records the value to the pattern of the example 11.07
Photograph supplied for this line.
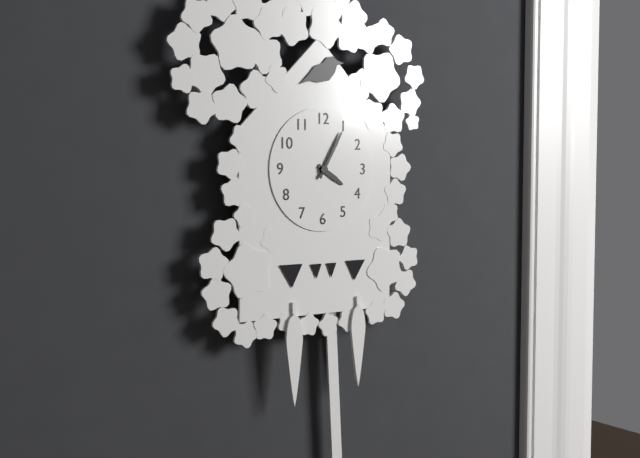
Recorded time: 4.05
